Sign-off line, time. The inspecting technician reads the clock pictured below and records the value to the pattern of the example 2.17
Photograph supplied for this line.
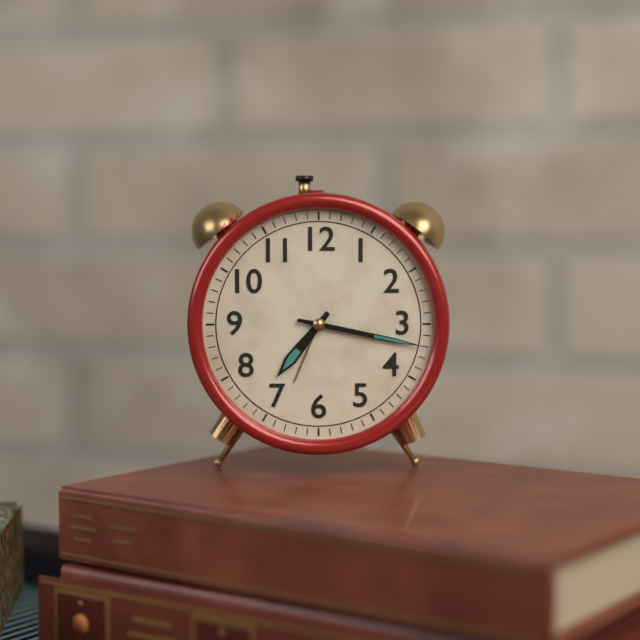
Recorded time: 7.17
